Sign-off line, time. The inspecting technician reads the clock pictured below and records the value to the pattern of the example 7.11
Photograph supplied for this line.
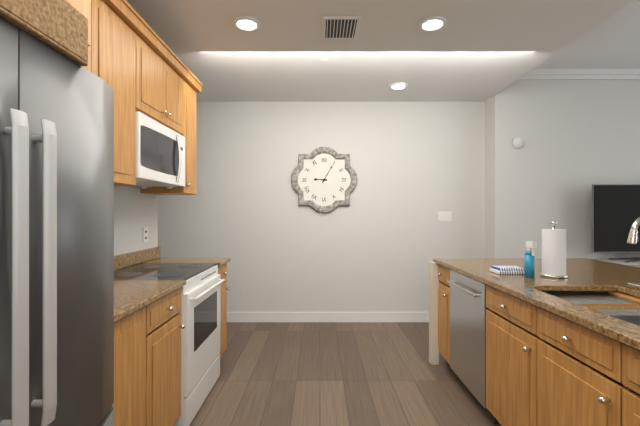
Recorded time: 9.05
